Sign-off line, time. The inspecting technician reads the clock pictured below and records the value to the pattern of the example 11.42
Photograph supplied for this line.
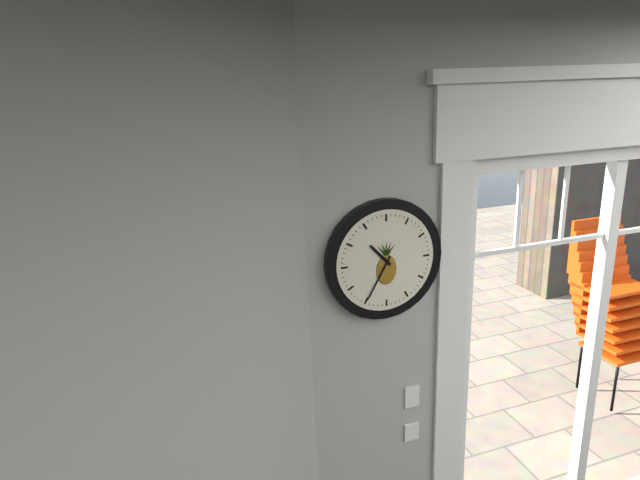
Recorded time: 10.35
